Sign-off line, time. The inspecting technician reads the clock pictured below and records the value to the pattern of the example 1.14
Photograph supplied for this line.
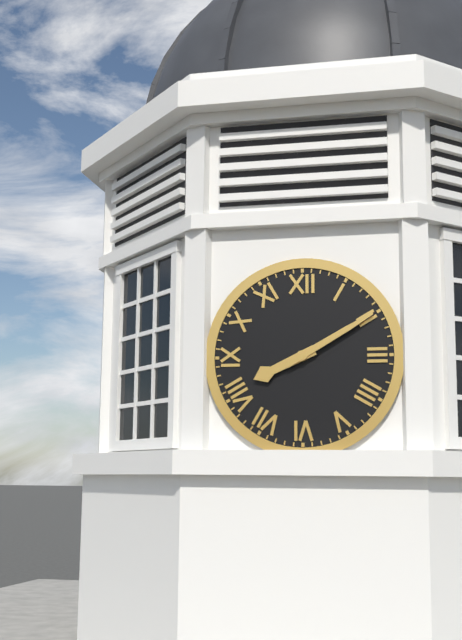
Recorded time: 8.10
